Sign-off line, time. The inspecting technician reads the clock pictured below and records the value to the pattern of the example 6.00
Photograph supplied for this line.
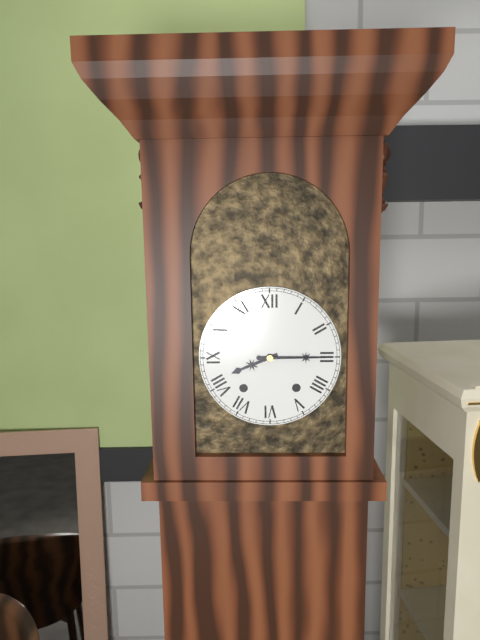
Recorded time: 8.15
